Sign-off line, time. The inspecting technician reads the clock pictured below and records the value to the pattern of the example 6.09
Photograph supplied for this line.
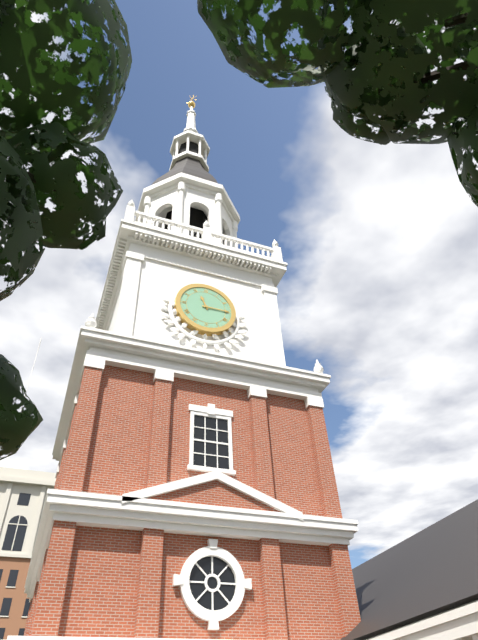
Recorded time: 11.15
